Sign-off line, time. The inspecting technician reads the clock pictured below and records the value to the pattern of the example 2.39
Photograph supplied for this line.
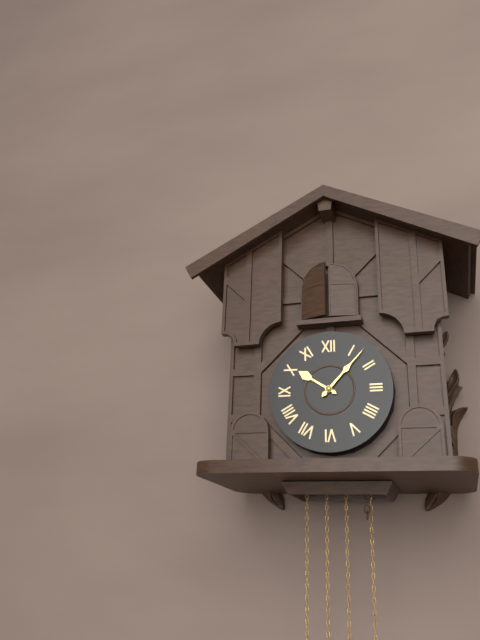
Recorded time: 10.07
